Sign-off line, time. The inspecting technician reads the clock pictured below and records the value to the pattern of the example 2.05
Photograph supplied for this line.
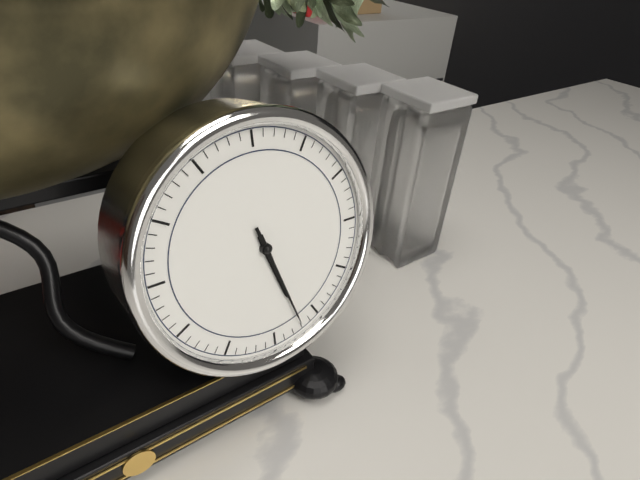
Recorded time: 5.27
